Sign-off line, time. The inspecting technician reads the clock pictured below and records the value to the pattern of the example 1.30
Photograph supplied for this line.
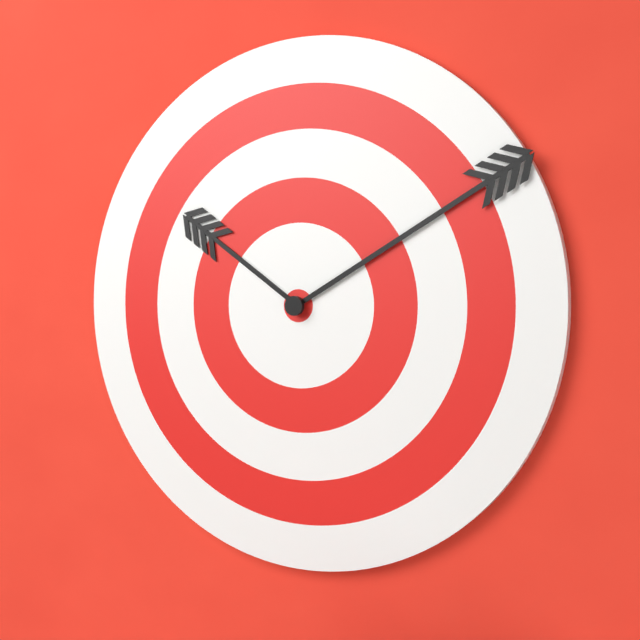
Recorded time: 10.10
